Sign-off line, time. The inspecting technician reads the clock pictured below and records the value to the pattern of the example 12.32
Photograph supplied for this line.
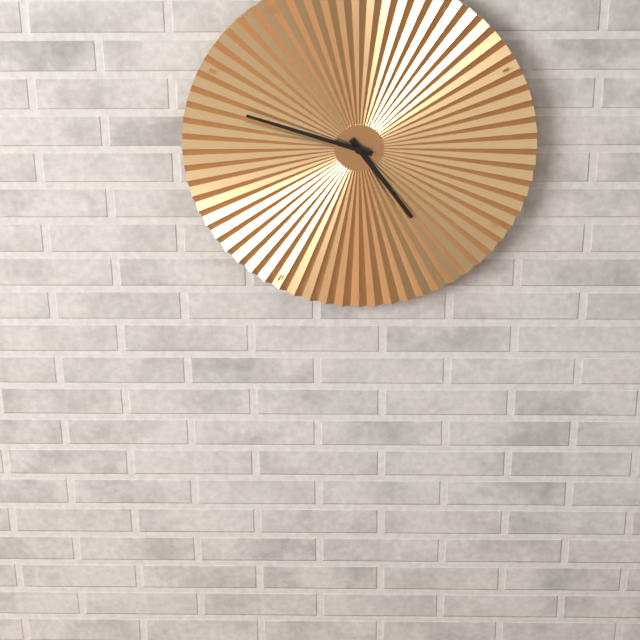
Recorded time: 4.48
